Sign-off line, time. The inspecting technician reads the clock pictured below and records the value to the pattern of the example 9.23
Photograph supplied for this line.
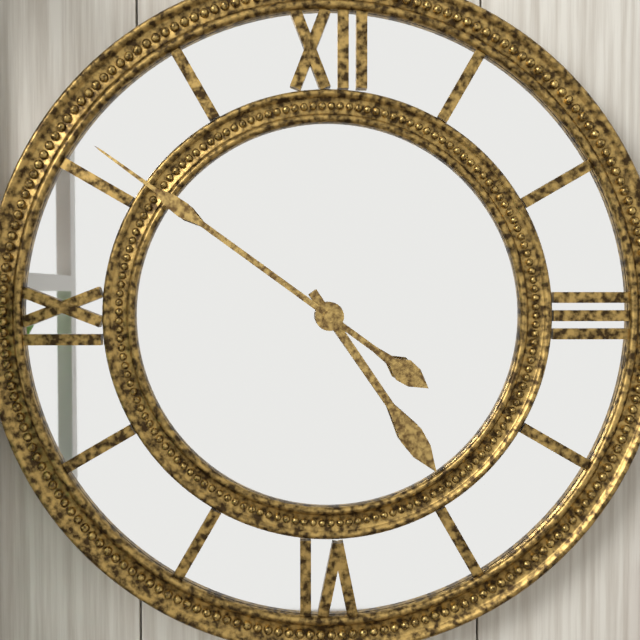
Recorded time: 4.51
